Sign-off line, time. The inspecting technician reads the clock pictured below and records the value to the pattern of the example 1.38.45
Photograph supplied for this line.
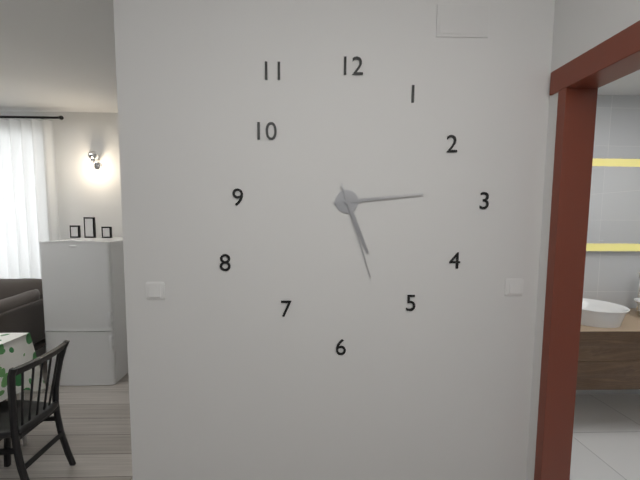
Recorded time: 5.14.27
